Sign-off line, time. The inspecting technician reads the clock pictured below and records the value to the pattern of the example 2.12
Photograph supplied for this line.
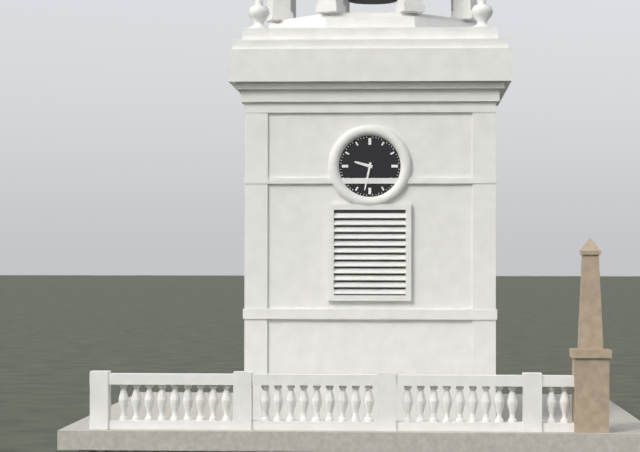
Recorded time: 9.32
